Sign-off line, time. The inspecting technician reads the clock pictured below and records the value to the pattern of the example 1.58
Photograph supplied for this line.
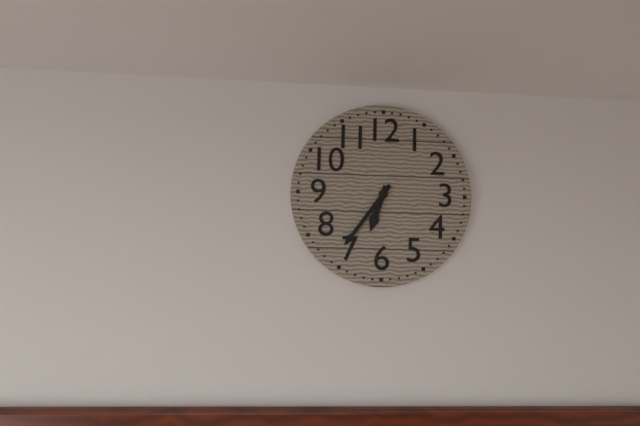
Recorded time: 6.36
